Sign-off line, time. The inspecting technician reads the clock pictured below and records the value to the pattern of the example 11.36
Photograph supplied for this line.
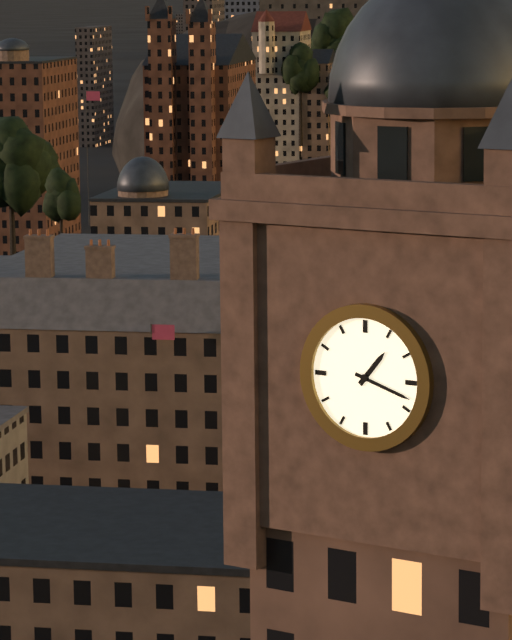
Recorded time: 1.18
